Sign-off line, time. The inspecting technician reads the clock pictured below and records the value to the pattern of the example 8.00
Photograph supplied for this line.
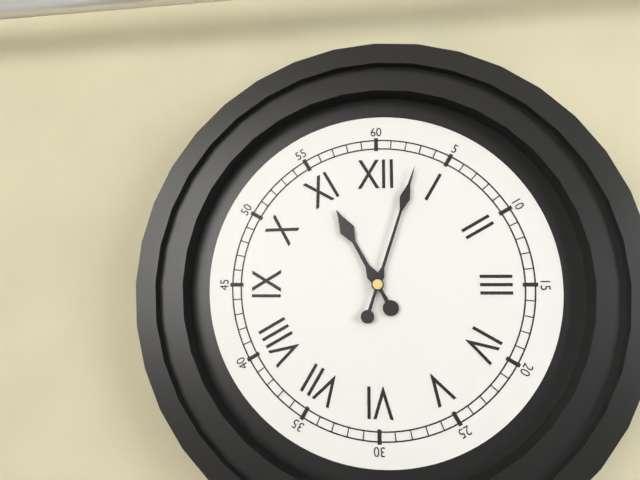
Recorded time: 11.03
